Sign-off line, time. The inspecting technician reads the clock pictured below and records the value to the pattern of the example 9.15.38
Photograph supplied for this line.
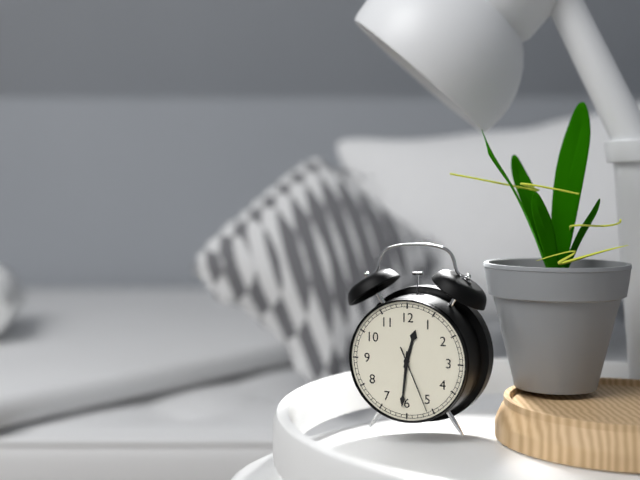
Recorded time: 12.31.26
